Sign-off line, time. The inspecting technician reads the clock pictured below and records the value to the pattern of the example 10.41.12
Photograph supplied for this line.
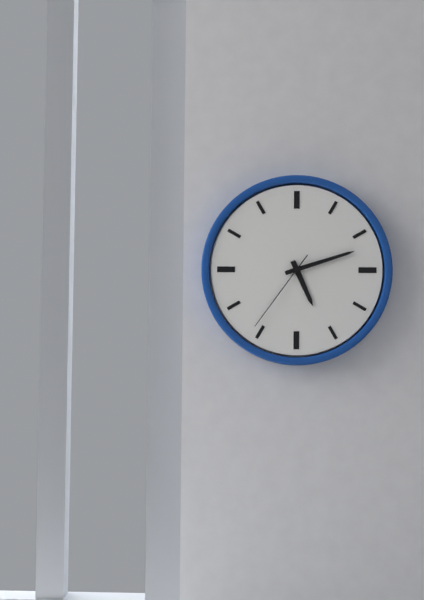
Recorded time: 5.12.36
